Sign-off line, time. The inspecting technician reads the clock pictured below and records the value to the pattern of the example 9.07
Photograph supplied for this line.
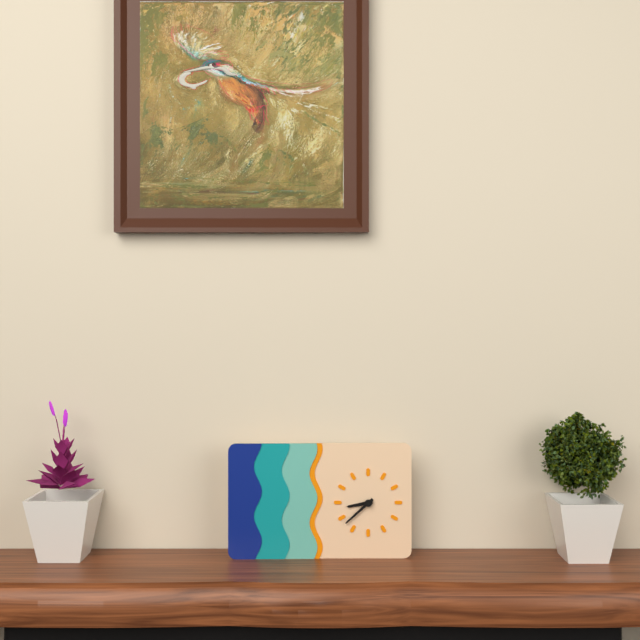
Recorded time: 8.38
